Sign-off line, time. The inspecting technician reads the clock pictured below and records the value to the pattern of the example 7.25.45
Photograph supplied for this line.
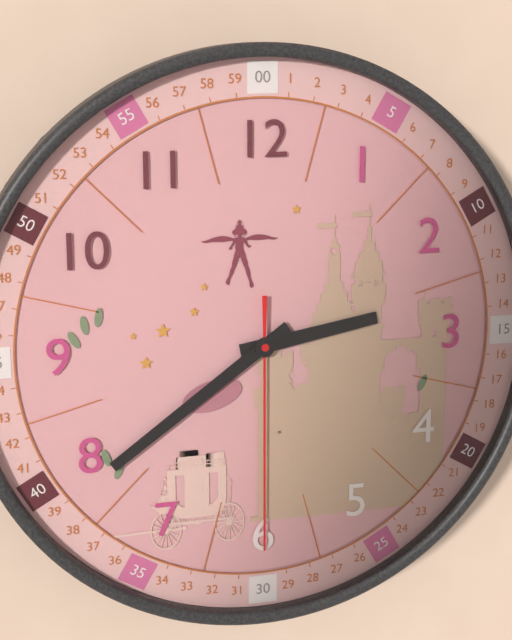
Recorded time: 2.39.30
